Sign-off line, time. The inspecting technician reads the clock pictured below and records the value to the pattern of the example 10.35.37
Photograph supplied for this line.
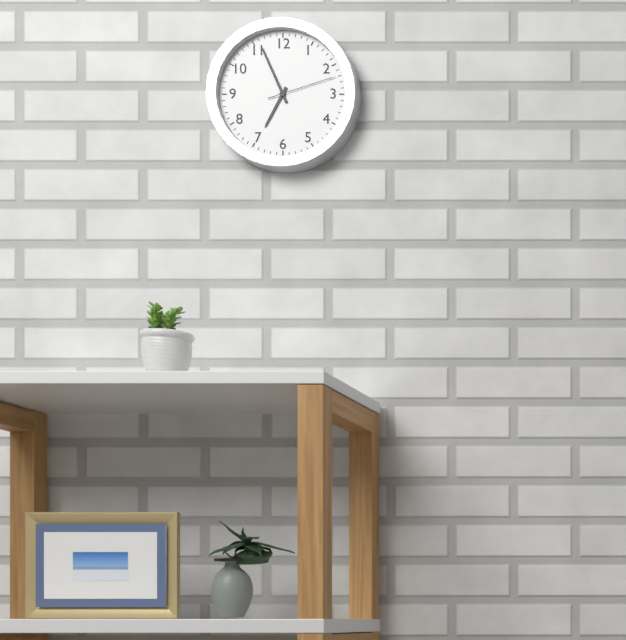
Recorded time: 6.56.12
